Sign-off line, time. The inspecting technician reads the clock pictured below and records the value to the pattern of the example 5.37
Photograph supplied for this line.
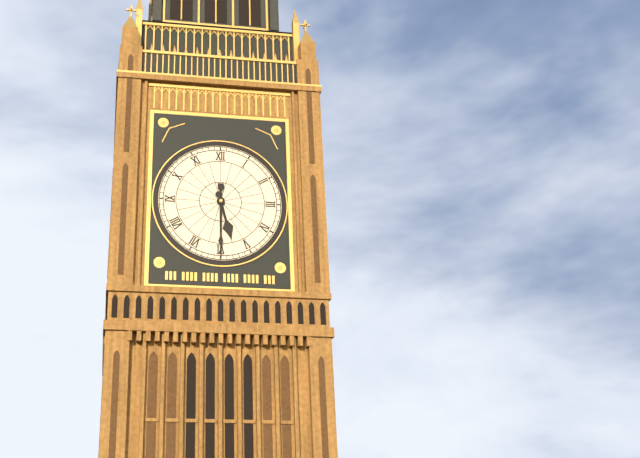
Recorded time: 5.30
